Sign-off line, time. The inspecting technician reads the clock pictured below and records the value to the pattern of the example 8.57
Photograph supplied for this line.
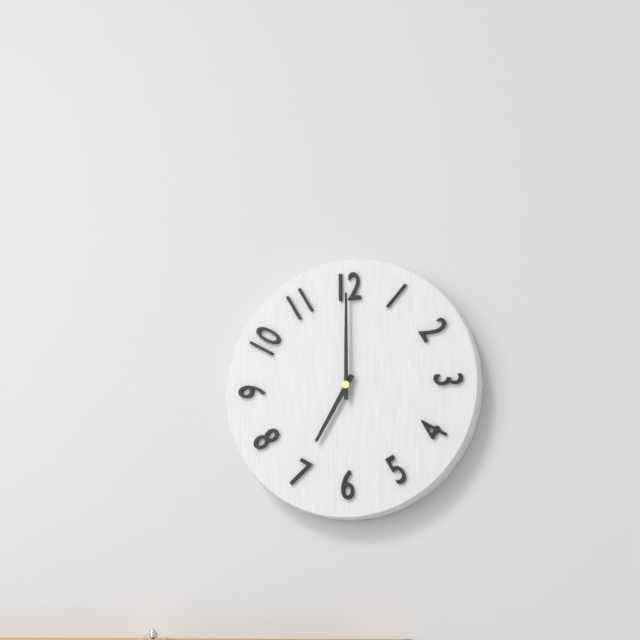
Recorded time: 7.00
